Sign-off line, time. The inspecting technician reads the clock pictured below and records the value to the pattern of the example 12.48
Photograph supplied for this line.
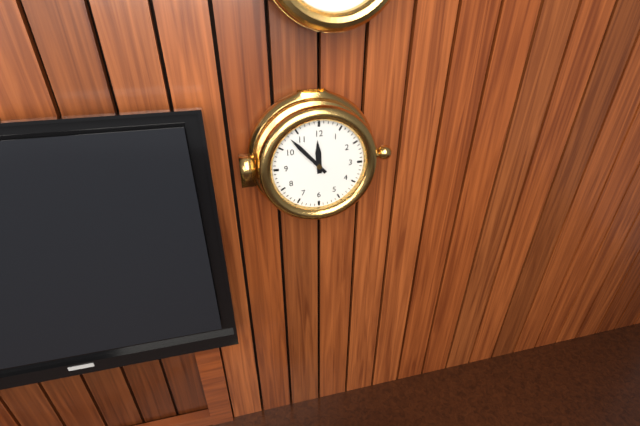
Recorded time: 11.53
